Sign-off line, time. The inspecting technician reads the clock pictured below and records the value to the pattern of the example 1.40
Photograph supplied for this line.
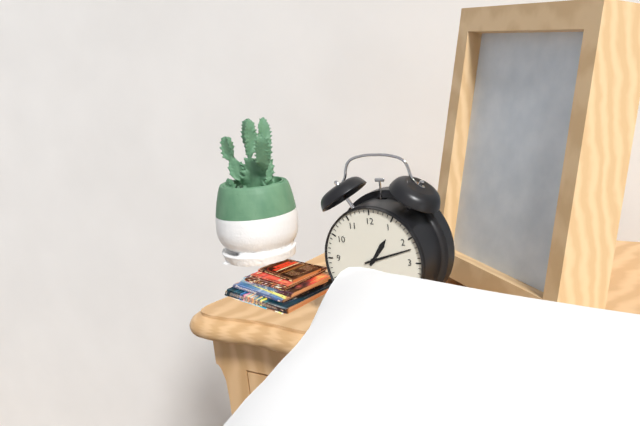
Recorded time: 1.12
